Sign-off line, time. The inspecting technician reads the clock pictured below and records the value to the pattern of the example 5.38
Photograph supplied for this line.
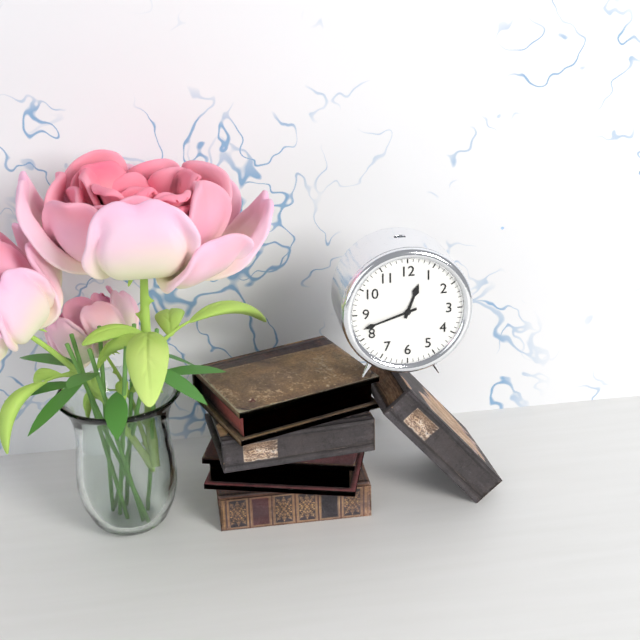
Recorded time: 12.42
